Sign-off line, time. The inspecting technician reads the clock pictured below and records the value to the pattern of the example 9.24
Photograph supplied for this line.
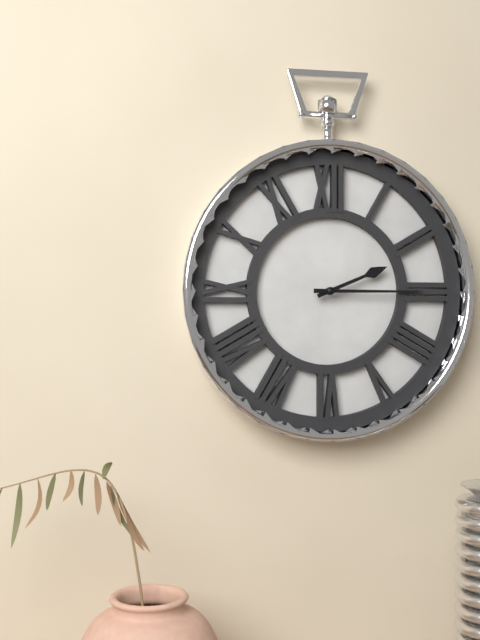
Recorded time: 2.15
